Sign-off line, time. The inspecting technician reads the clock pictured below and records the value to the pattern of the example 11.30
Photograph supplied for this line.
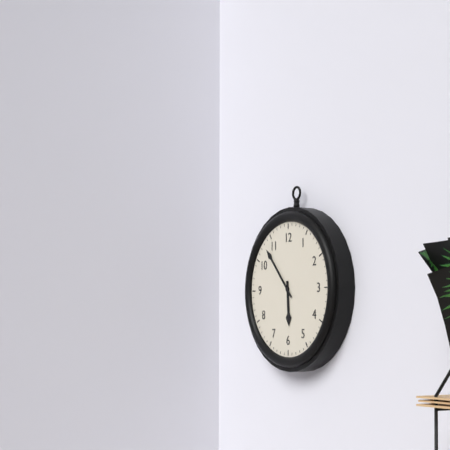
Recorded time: 5.53
